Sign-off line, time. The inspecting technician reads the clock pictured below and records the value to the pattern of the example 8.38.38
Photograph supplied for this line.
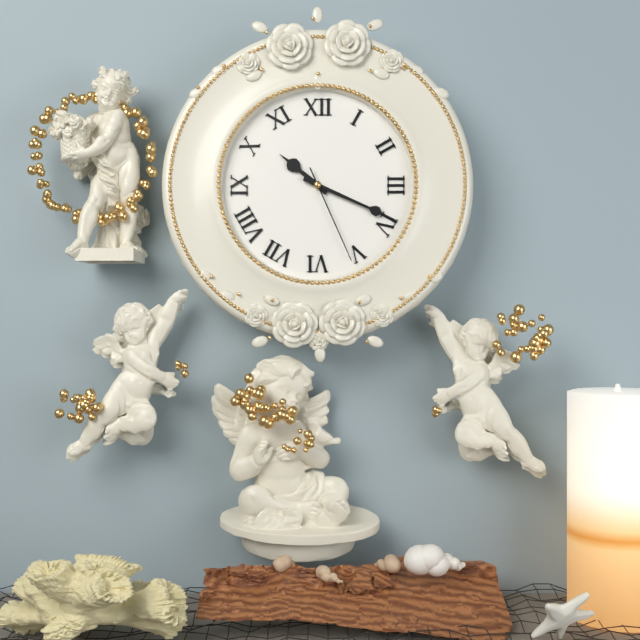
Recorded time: 10.19.26
